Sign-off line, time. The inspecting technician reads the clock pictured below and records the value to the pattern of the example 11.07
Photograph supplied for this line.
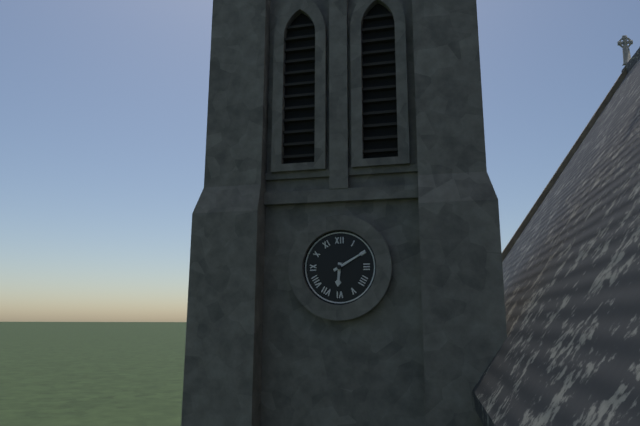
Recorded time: 6.10
